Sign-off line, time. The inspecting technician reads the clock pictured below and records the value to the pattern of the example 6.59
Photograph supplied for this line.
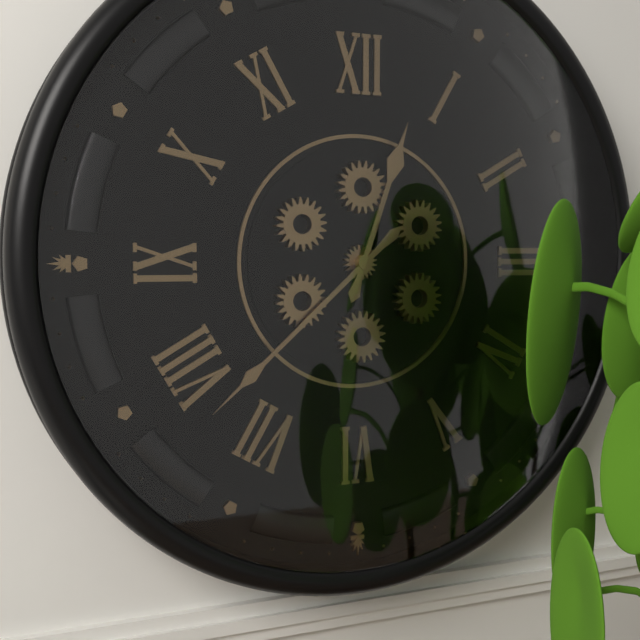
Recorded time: 12.38
